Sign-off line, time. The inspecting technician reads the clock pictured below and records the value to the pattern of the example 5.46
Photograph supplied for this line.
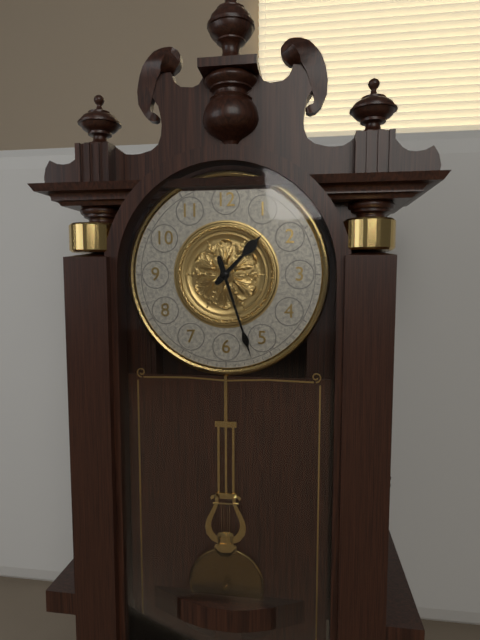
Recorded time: 1.27
